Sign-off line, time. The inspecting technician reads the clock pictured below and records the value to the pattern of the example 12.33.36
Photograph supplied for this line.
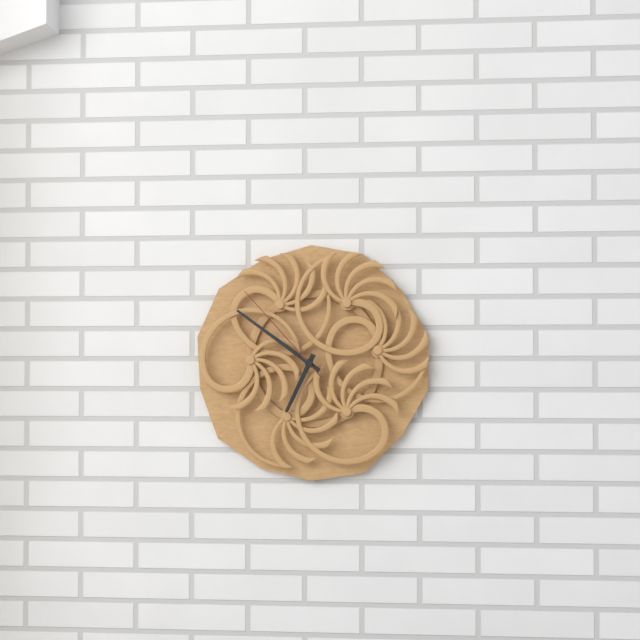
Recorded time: 6.51.53
